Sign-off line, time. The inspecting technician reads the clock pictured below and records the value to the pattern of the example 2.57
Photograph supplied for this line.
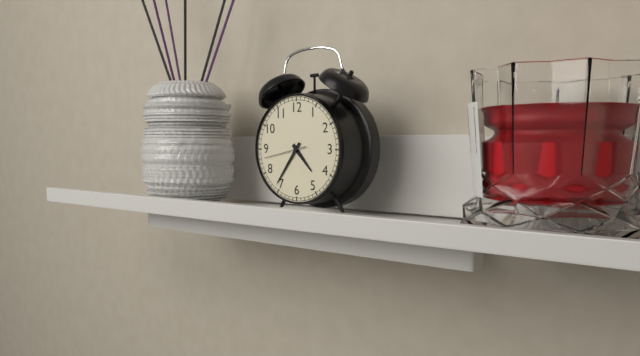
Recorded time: 4.36
